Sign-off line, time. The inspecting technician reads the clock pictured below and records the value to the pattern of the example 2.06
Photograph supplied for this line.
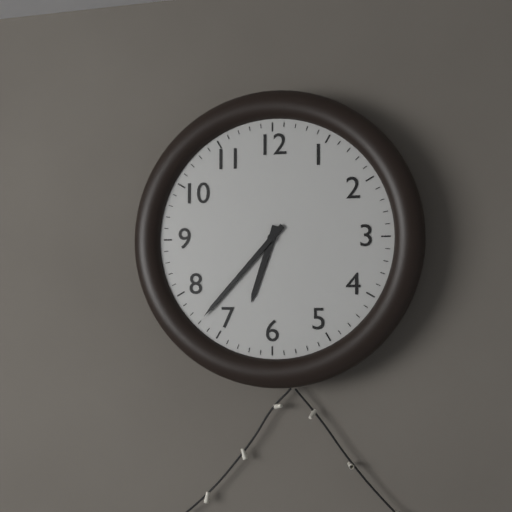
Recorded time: 6.37
